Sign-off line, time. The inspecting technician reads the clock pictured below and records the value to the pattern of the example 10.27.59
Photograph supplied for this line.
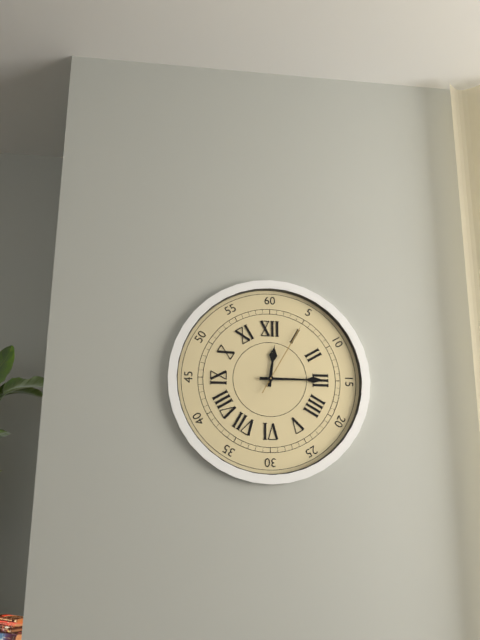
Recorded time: 12.15.05
